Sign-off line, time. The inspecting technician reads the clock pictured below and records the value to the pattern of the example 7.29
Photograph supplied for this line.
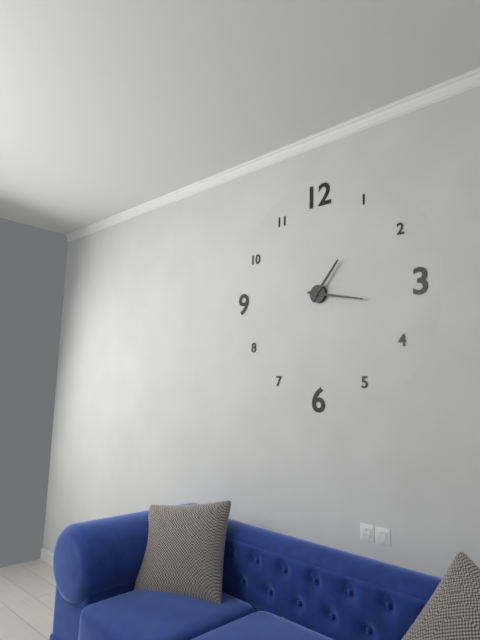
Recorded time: 1.17
